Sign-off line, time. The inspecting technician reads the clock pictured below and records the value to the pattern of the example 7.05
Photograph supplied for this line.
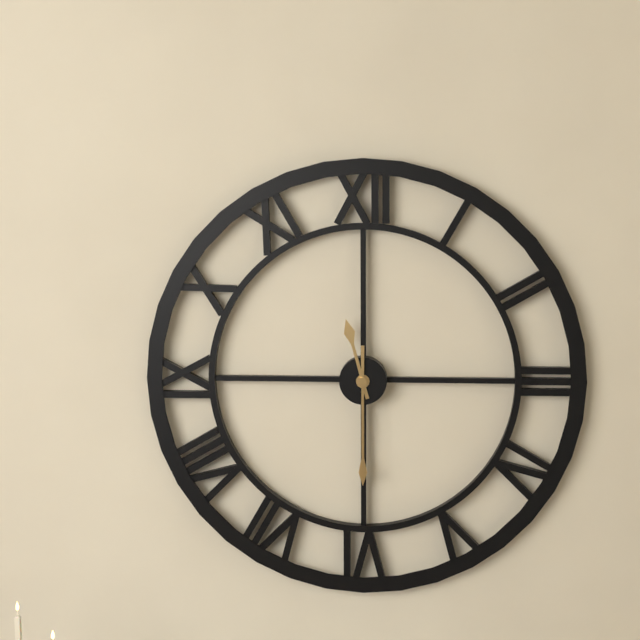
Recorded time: 11.30
